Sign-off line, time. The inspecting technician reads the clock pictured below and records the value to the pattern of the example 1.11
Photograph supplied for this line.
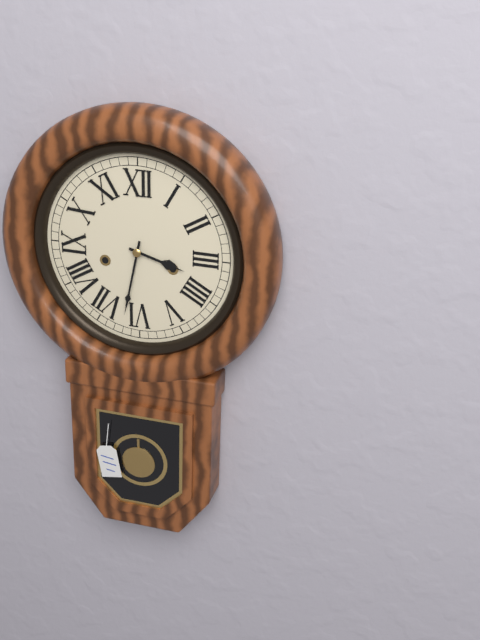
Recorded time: 3.32
